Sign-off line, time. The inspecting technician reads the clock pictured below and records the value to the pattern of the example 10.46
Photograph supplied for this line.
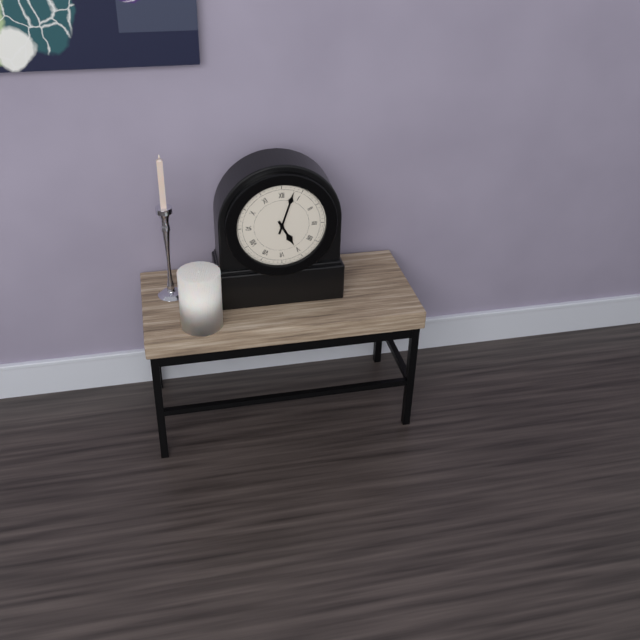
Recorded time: 5.03
